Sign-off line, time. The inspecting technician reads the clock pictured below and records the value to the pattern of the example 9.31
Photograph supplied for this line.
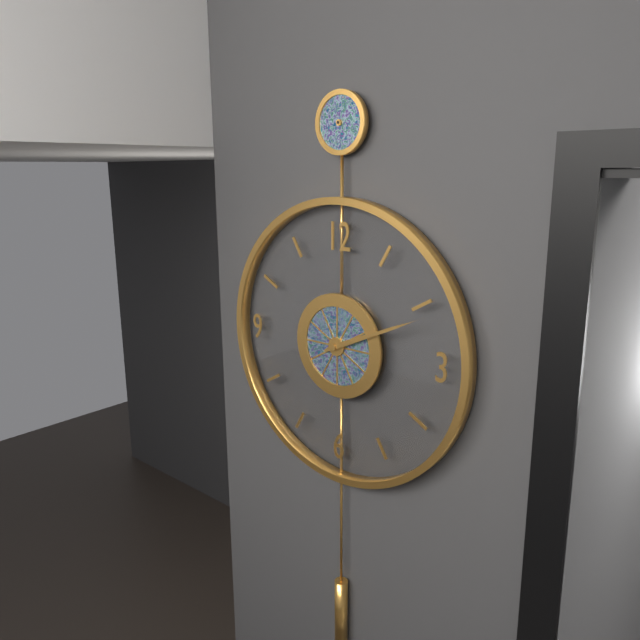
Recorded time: 2.11
